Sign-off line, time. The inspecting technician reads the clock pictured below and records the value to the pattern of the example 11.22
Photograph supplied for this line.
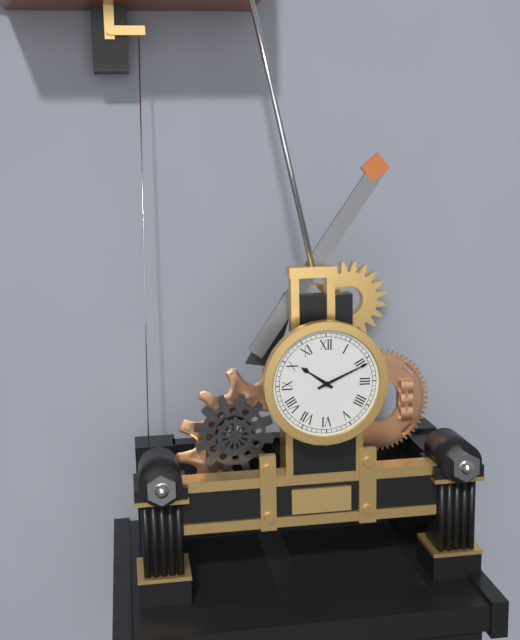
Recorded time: 10.11
